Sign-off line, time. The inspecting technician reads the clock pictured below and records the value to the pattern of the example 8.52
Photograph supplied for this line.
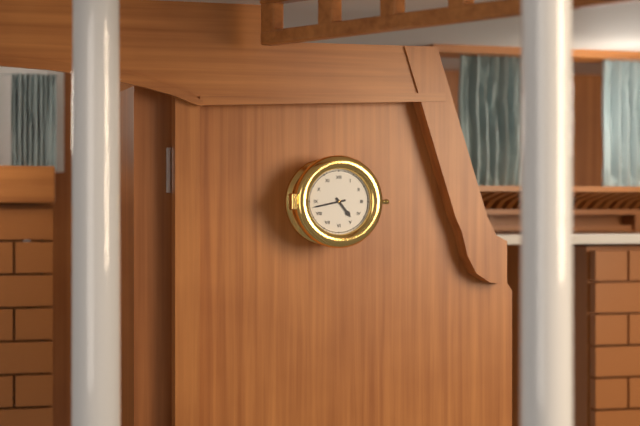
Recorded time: 4.43
